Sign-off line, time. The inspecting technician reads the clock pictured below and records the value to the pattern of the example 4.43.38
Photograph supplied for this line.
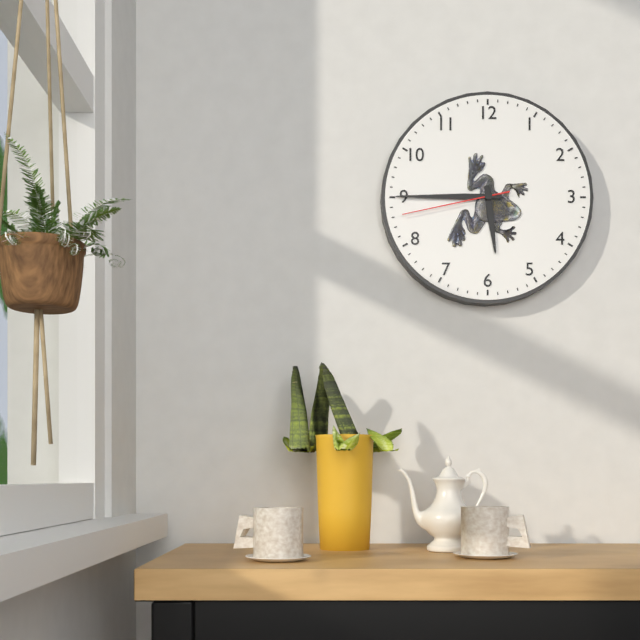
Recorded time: 5.45.43
